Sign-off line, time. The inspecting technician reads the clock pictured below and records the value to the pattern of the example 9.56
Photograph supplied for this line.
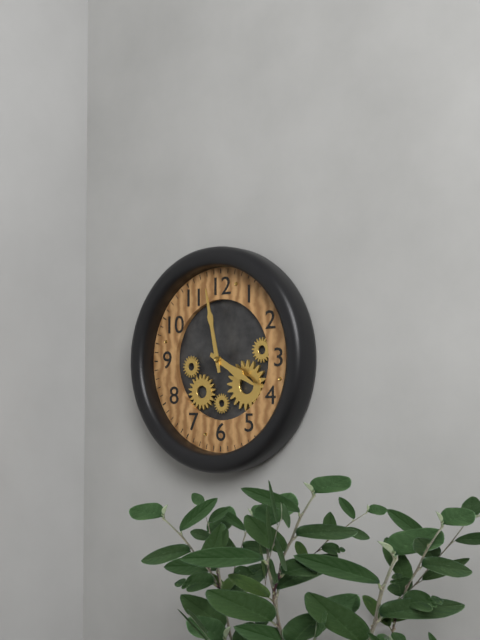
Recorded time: 3.58
